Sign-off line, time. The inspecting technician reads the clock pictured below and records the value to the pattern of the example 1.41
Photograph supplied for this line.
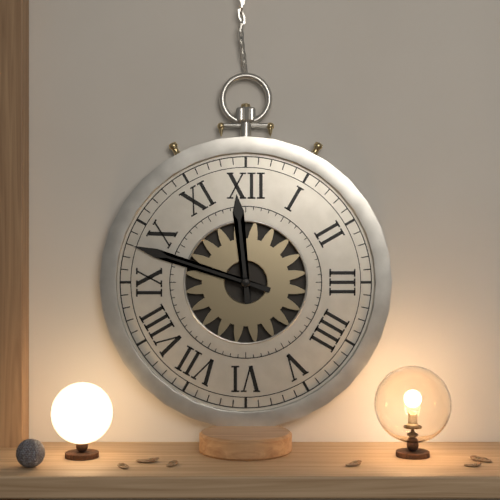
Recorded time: 11.48
